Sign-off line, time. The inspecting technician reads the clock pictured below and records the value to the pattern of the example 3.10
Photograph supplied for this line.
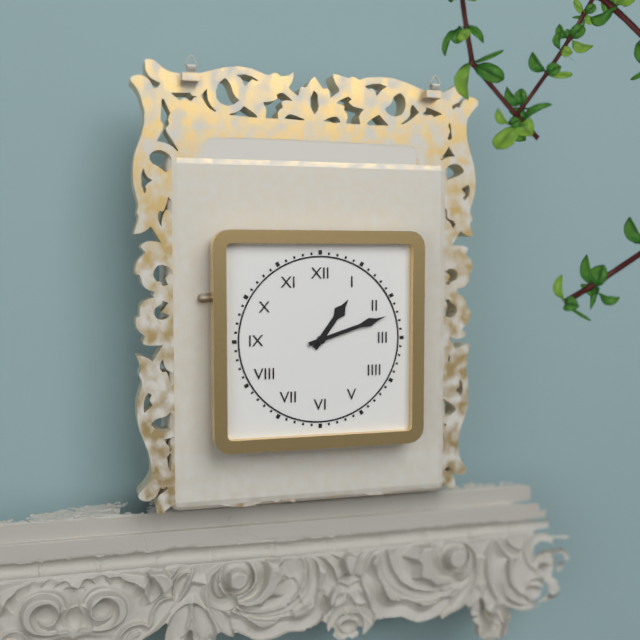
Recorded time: 1.12
